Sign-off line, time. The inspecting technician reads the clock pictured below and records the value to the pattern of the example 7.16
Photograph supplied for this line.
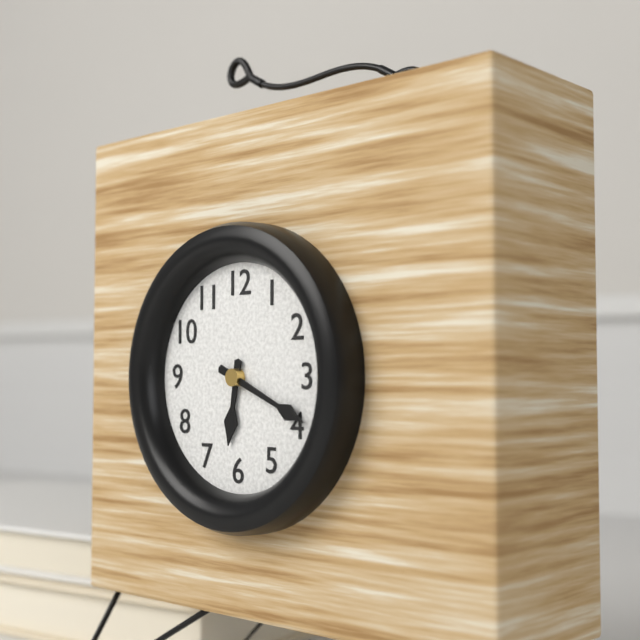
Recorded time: 6.19
